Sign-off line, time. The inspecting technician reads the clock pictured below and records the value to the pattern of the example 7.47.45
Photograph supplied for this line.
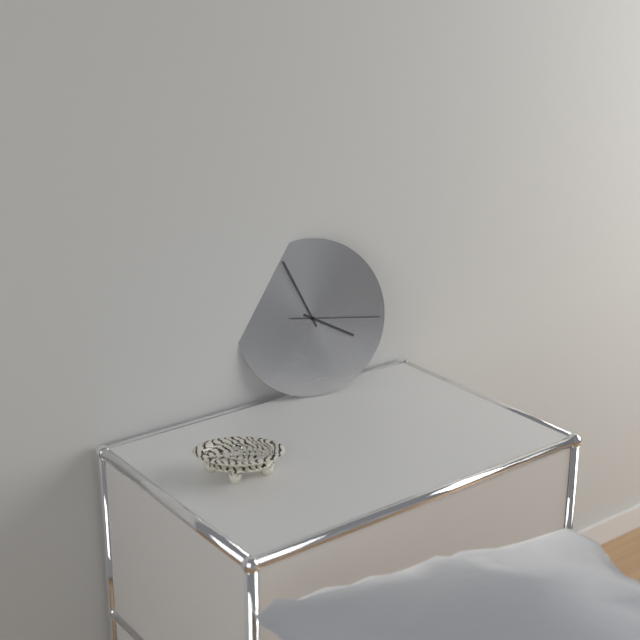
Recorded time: 3.56.16
